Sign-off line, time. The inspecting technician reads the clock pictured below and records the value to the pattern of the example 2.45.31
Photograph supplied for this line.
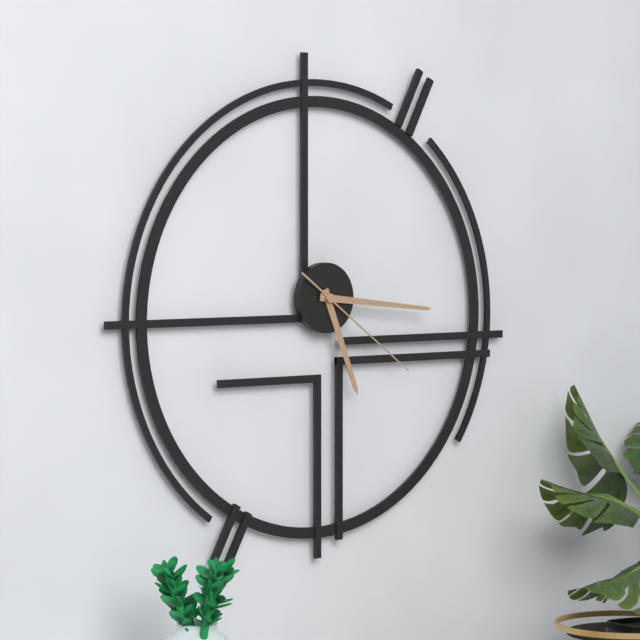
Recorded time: 5.16.21
